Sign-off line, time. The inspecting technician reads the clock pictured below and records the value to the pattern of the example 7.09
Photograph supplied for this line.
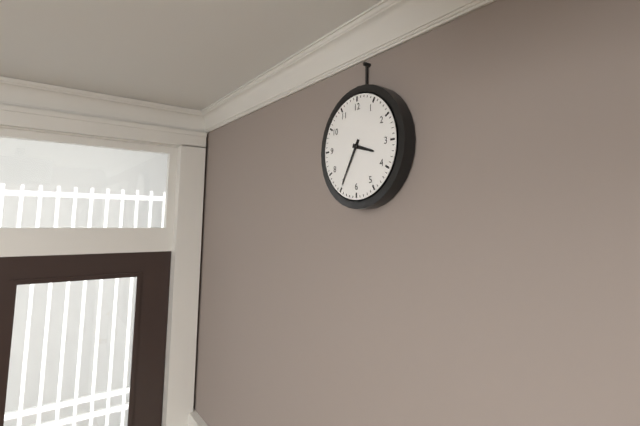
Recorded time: 3.35
